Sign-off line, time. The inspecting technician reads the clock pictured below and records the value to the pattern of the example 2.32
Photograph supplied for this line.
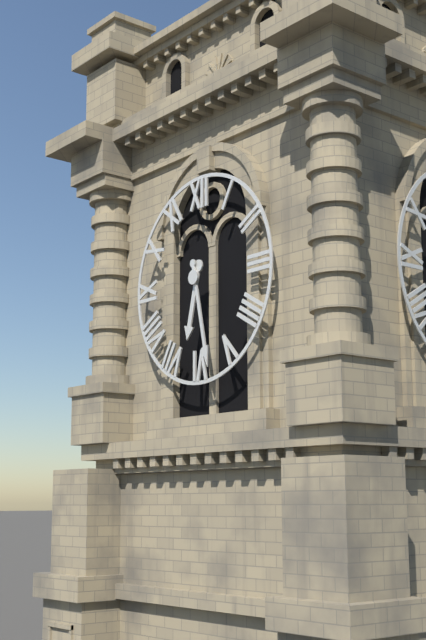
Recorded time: 6.28
